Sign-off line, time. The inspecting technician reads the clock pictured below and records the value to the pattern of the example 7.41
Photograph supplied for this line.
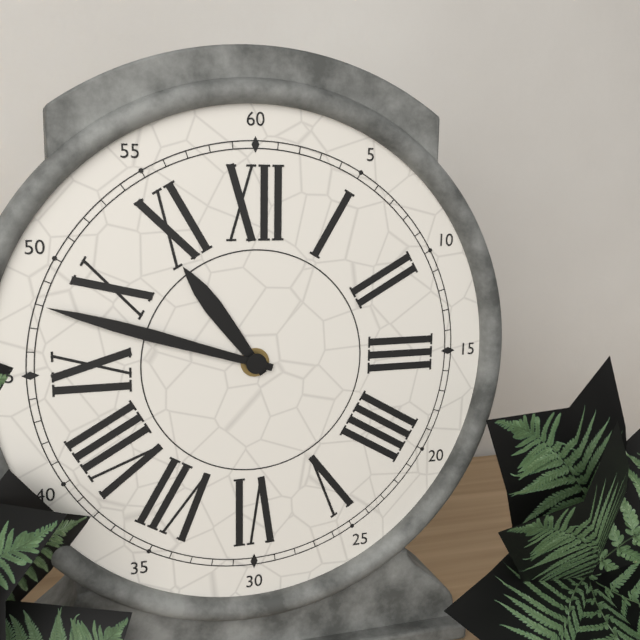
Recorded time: 10.48
